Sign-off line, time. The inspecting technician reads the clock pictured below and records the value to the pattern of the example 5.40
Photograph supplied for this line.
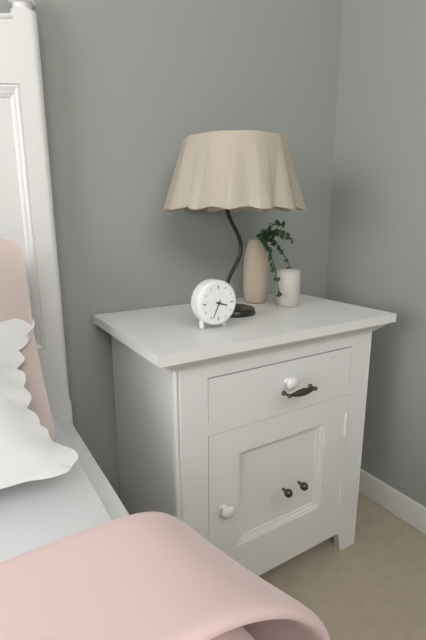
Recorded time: 3.34
